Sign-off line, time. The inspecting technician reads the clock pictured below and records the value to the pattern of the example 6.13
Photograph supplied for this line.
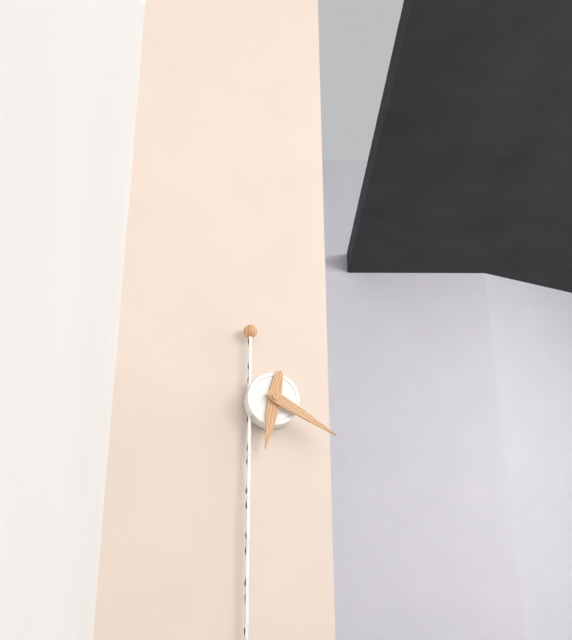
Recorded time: 6.20
